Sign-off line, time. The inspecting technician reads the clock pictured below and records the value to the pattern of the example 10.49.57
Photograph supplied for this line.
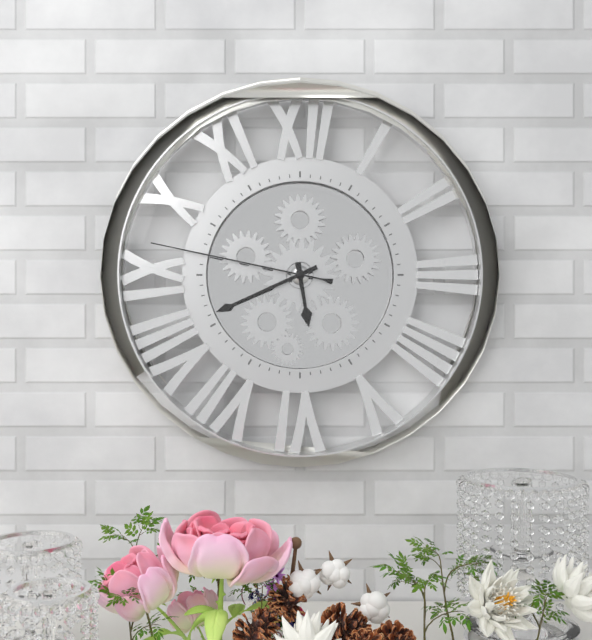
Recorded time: 5.41.47
